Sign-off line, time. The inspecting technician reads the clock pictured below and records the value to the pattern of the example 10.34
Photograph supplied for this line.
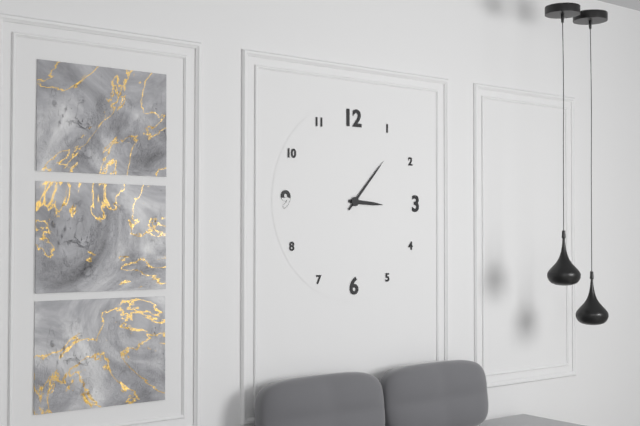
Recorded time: 3.07
